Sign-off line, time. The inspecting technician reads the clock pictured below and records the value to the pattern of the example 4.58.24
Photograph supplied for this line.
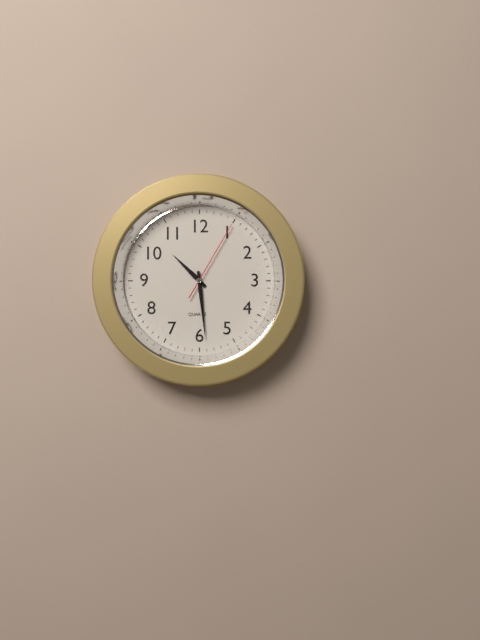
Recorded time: 10.29.05
